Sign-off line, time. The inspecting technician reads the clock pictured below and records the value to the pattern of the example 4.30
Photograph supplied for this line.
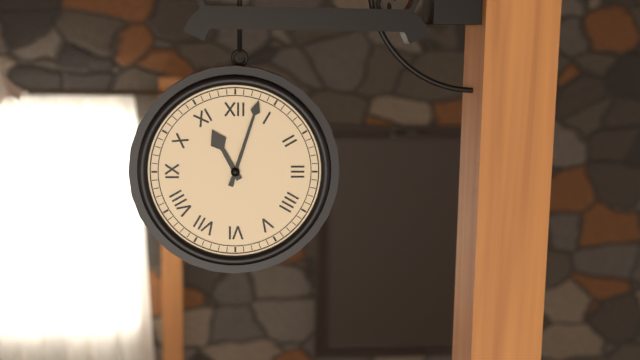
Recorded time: 11.03
